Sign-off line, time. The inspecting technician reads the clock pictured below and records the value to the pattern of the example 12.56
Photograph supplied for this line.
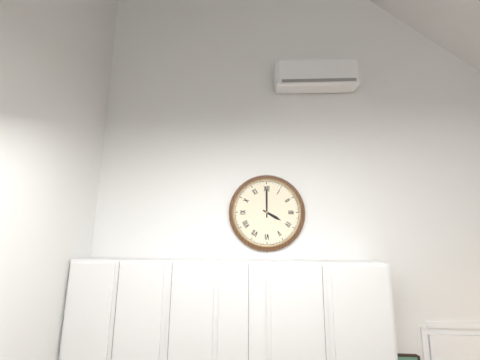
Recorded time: 4.00
